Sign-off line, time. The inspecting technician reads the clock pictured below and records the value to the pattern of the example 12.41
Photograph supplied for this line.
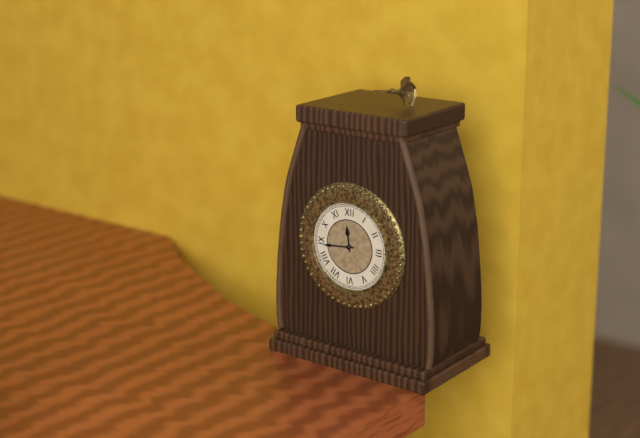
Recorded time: 11.44
